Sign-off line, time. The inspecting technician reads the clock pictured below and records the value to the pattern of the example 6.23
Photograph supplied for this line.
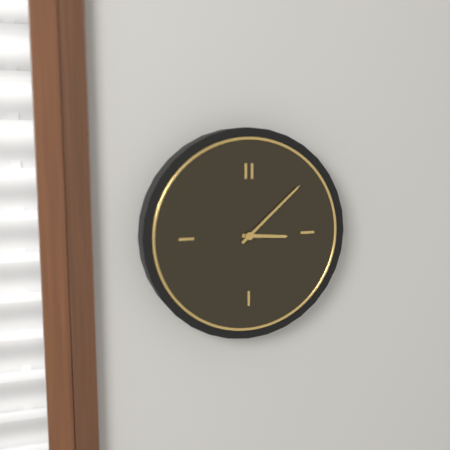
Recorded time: 3.08
